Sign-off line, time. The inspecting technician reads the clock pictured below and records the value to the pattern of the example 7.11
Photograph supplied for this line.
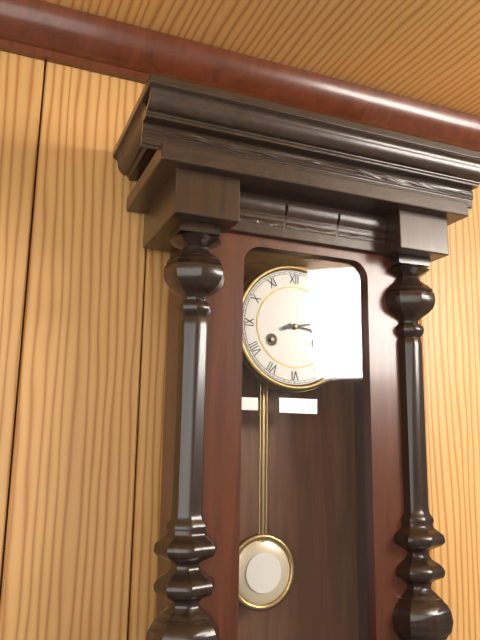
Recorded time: 3.13
